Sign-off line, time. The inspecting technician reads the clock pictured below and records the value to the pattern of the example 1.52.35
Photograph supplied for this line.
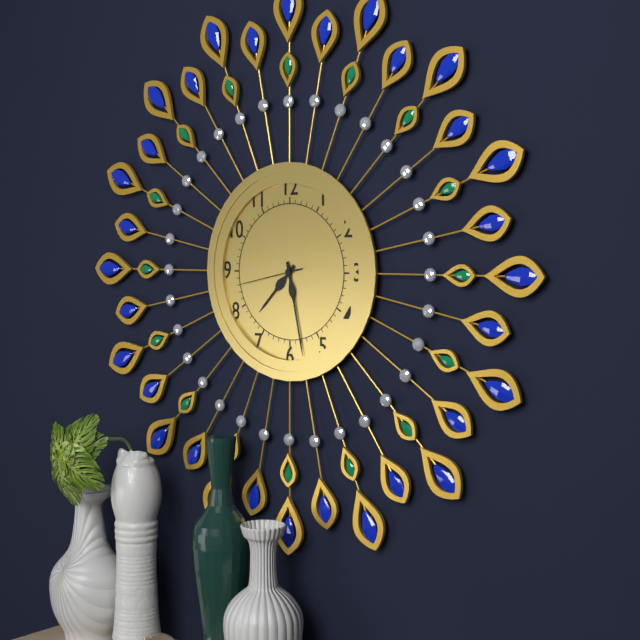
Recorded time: 7.28.43
